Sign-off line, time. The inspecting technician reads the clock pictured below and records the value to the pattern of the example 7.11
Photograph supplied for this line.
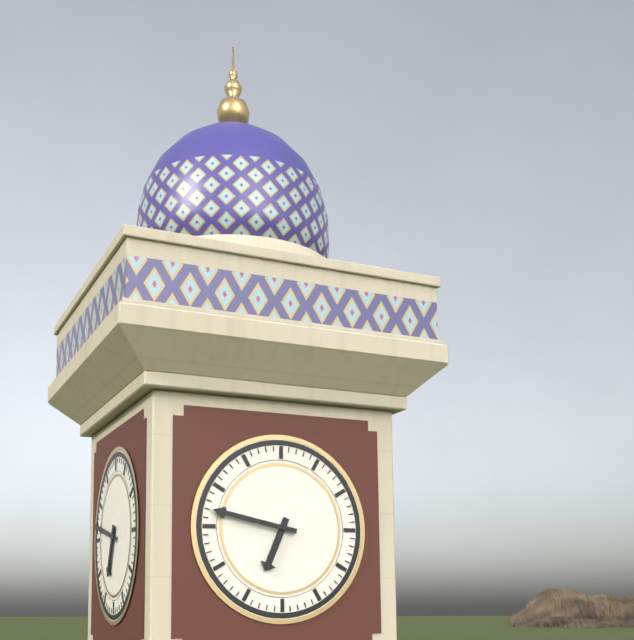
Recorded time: 6.47
